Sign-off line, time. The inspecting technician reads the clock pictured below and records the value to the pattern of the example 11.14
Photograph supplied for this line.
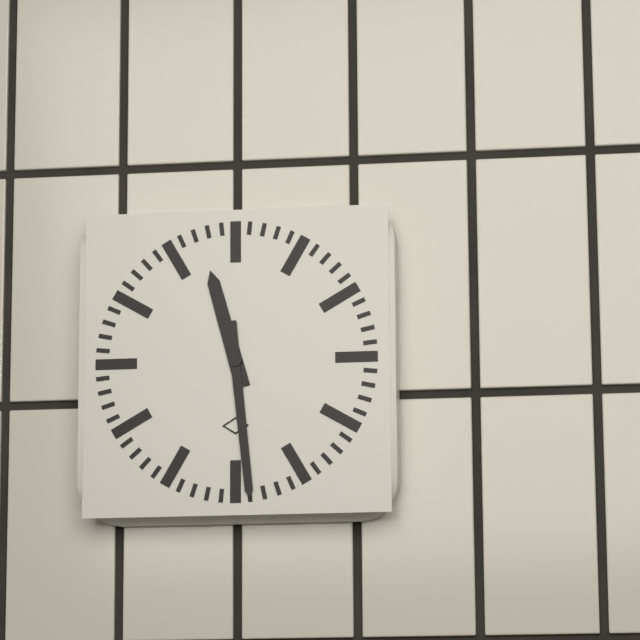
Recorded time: 11.29
